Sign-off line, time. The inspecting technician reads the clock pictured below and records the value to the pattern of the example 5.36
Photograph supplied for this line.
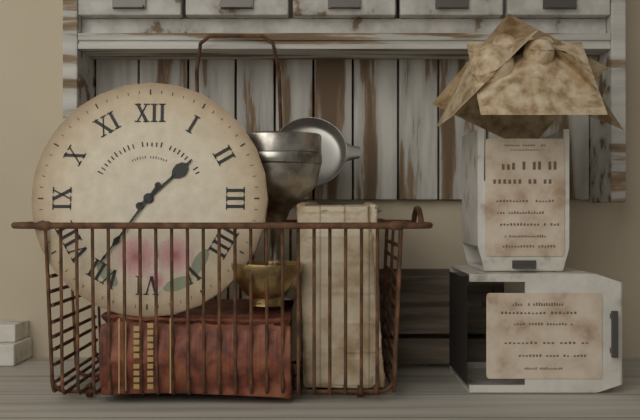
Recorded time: 1.36
